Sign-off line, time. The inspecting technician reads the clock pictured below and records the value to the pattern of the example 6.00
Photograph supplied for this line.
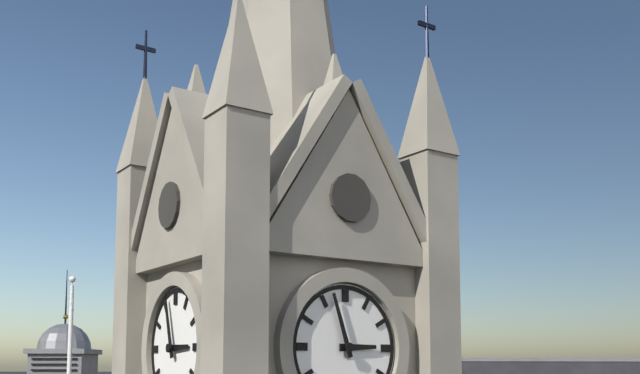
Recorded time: 2.57
